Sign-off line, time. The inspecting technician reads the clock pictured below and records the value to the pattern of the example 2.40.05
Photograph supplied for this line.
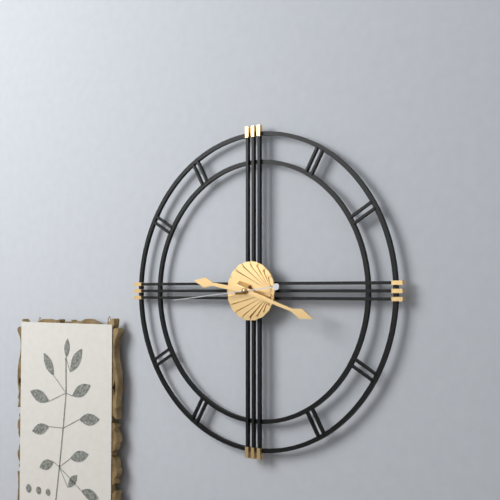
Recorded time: 9.18.44
